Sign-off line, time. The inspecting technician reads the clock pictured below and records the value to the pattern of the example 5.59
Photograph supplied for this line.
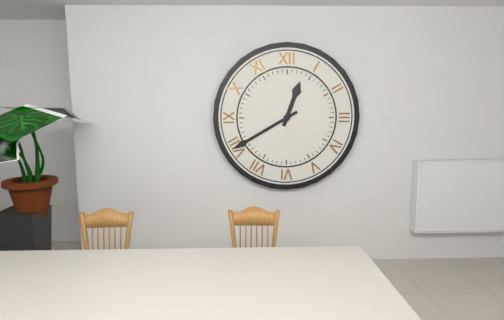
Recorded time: 12.40
